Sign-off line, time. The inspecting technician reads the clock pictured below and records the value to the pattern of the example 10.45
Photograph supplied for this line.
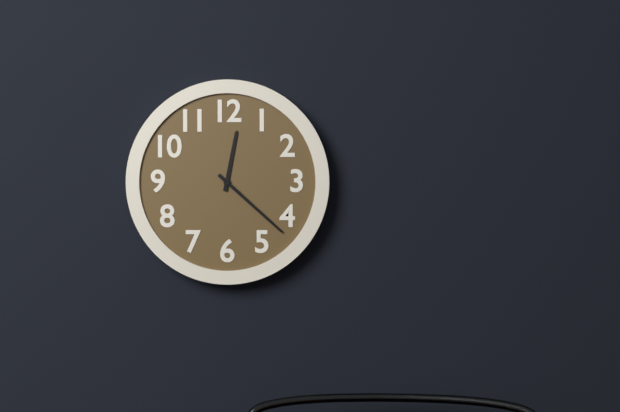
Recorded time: 12.22
